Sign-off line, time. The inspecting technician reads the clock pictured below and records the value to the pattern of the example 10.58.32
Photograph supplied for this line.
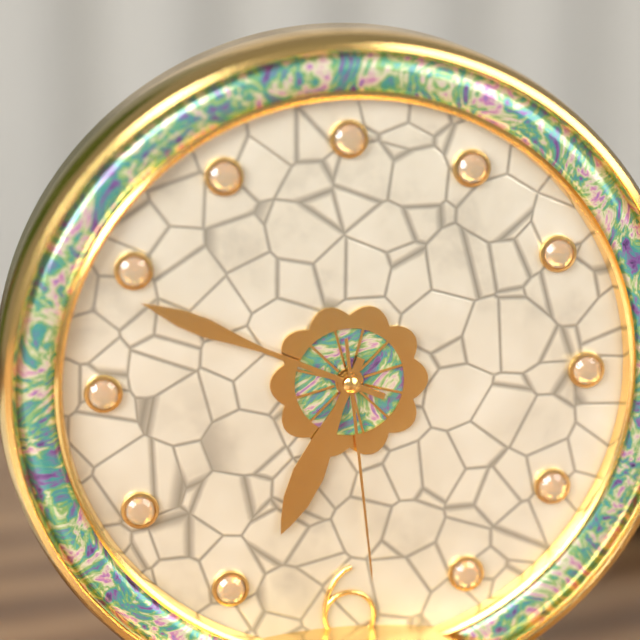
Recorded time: 6.49.29
